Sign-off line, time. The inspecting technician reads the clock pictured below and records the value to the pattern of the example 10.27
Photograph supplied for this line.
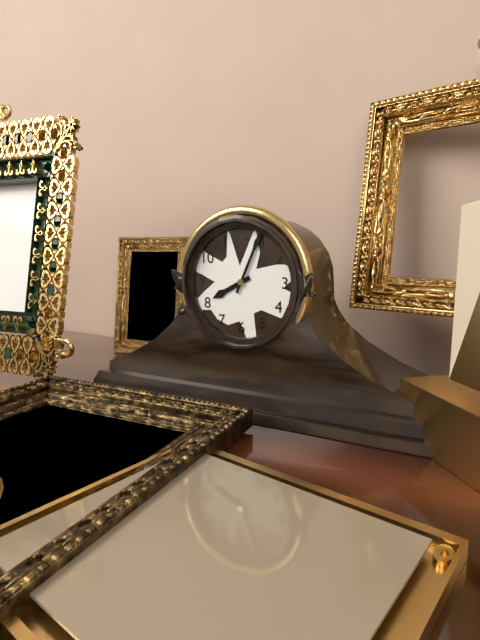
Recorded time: 8.04
